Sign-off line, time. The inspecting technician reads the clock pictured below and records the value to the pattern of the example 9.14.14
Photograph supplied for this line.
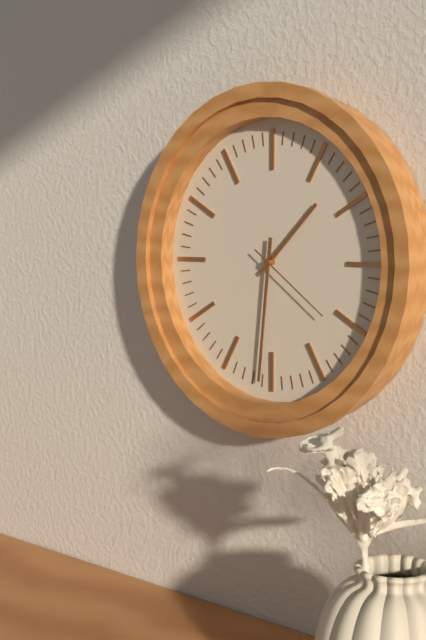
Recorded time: 1.31.21
